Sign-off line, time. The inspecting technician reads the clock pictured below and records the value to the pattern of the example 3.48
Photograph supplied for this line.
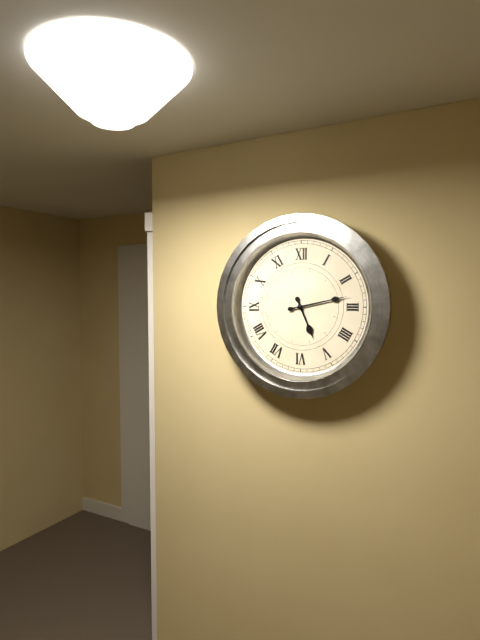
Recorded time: 5.13
